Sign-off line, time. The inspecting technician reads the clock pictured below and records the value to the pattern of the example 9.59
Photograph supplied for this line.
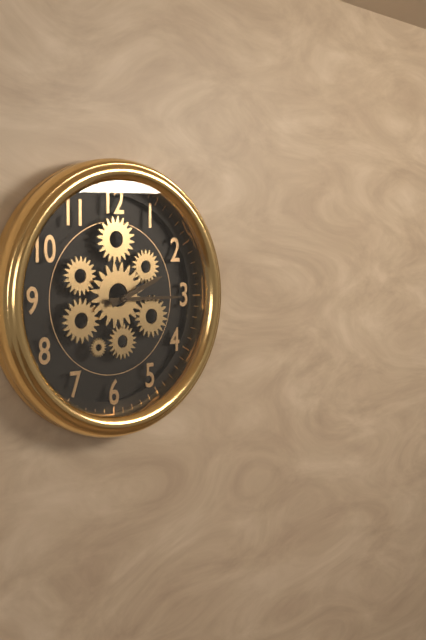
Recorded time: 2.15
